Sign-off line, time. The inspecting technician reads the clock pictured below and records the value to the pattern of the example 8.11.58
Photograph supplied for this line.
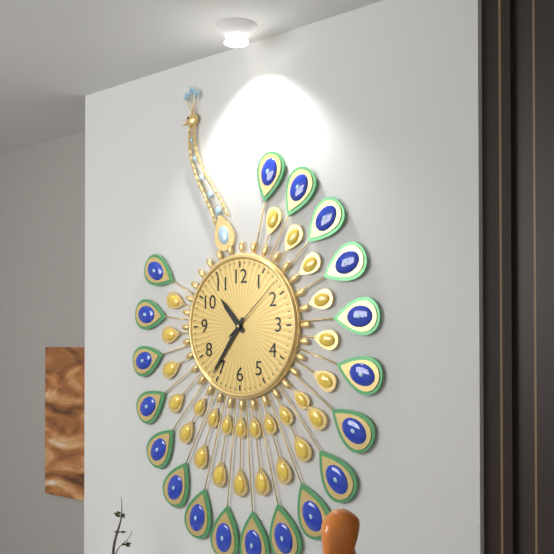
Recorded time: 10.36.08
